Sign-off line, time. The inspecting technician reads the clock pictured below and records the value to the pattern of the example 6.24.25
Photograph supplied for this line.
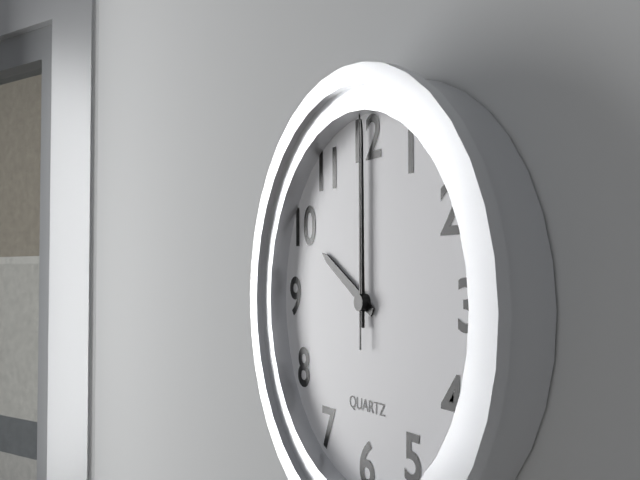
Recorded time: 10.00.00
